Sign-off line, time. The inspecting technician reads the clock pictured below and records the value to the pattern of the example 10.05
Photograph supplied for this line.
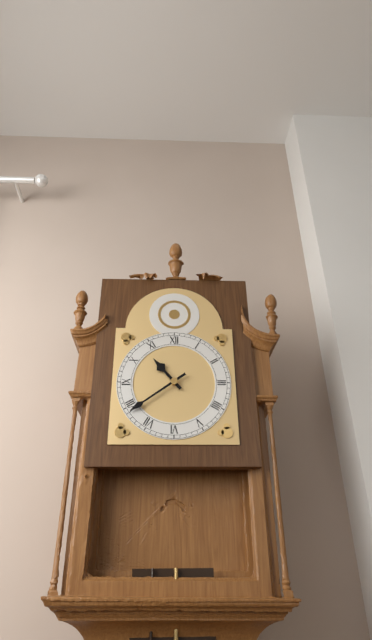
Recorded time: 10.39
